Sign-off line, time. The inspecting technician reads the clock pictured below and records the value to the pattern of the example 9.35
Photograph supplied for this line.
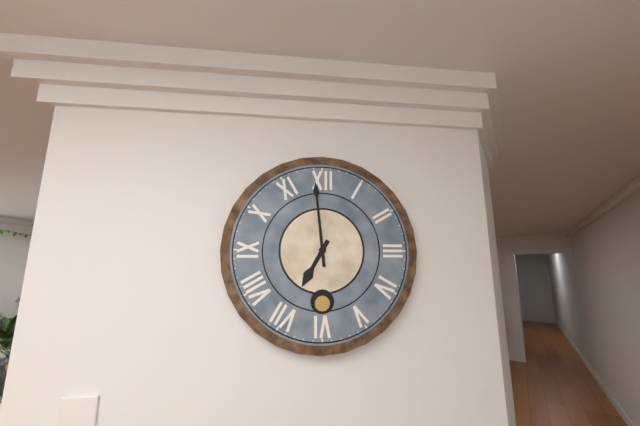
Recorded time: 6.59
